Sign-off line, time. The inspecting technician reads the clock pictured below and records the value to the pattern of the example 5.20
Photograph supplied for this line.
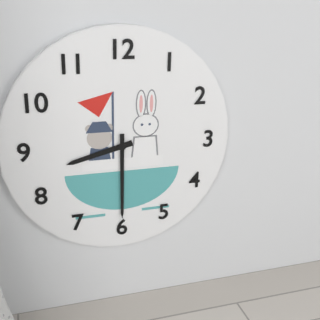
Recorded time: 8.30
